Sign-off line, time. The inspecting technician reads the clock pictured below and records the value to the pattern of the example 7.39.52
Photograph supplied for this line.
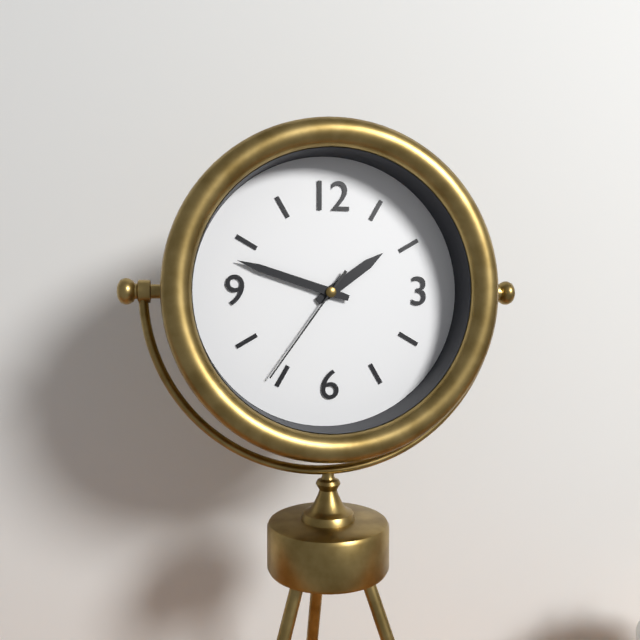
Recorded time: 1.48.36
